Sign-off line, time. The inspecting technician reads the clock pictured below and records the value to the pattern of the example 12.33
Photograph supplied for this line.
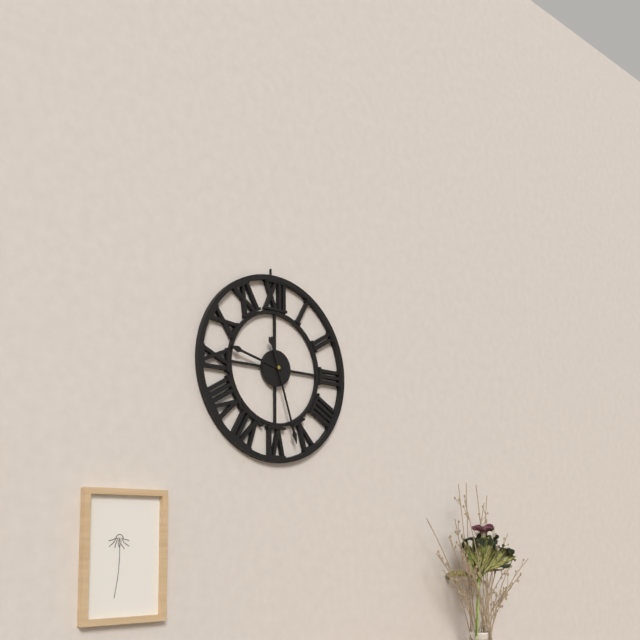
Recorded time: 9.27
